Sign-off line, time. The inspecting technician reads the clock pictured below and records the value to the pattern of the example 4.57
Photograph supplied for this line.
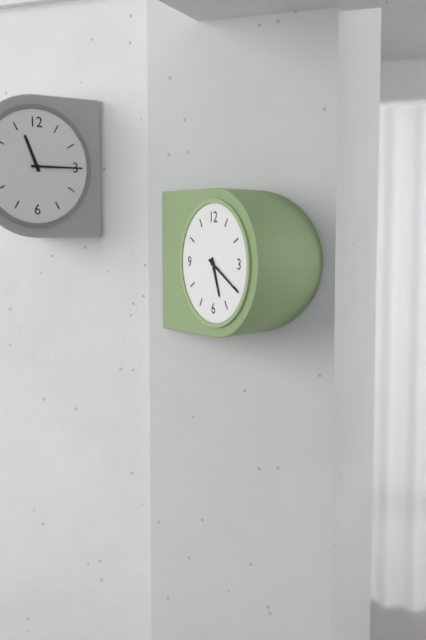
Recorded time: 5.20
